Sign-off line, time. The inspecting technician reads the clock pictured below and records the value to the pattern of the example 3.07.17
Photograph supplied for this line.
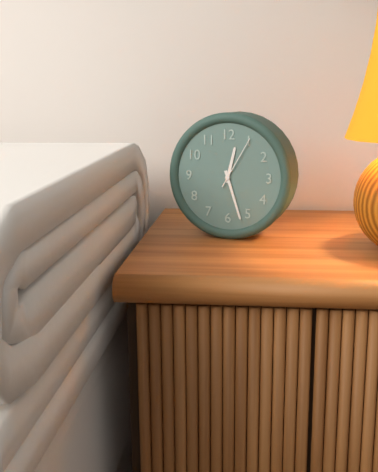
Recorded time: 12.27.05
